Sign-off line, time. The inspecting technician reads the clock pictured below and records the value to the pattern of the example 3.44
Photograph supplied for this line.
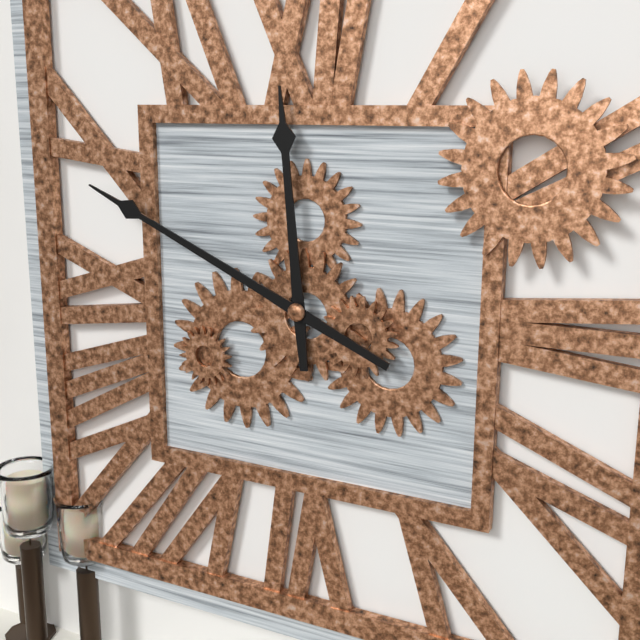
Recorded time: 11.49
